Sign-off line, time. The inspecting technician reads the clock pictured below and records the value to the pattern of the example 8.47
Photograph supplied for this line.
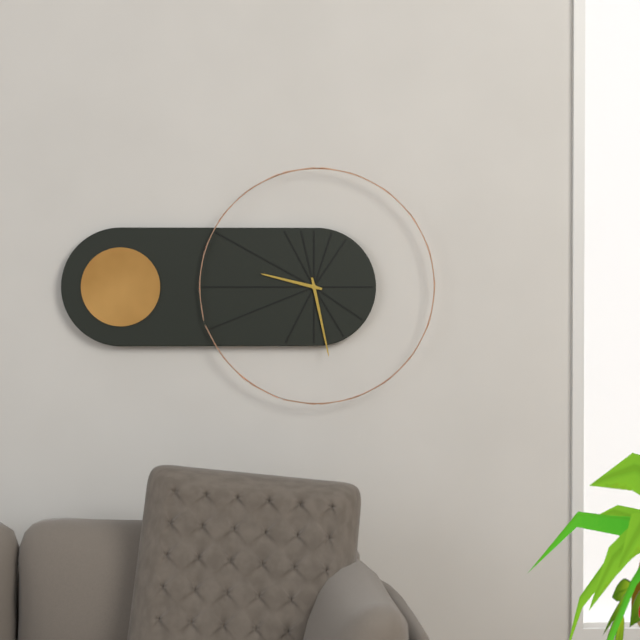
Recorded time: 9.28
